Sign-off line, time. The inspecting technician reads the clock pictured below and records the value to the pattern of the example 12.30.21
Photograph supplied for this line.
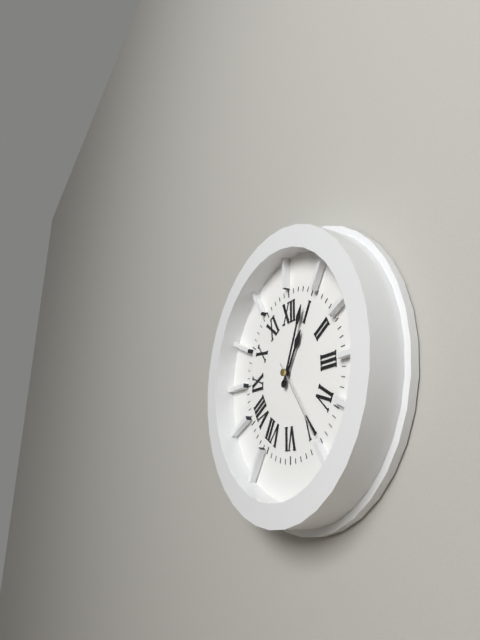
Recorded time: 1.04.24
